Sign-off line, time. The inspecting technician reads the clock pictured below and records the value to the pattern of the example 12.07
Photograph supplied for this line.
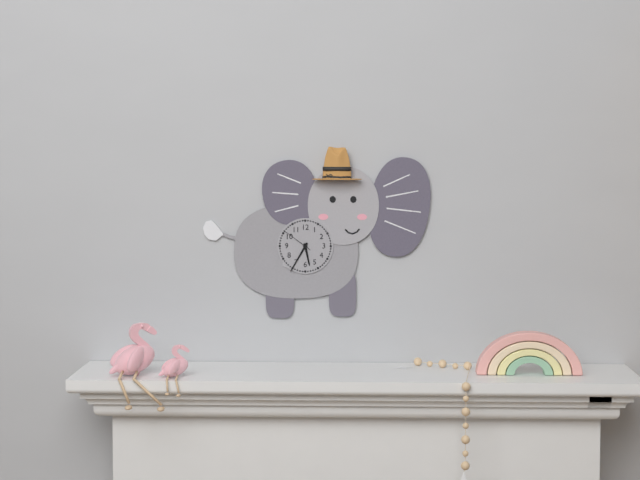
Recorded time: 5.35
